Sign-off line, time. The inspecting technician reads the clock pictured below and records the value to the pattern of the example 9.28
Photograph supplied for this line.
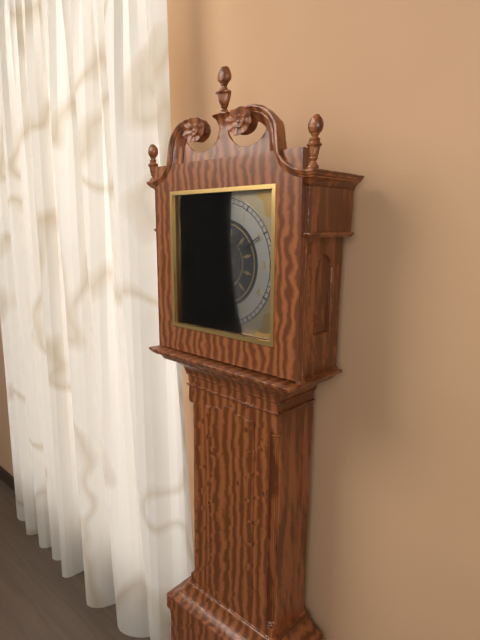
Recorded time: 1.10
